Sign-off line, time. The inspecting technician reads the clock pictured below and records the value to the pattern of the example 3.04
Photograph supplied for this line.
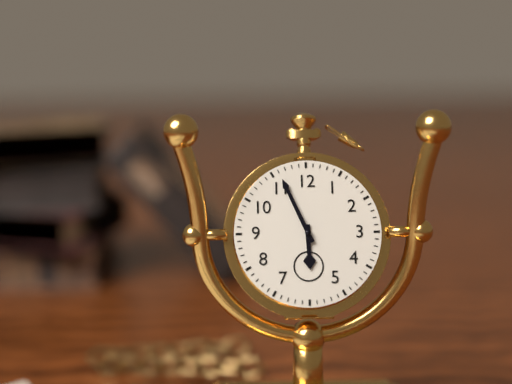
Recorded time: 5.56
